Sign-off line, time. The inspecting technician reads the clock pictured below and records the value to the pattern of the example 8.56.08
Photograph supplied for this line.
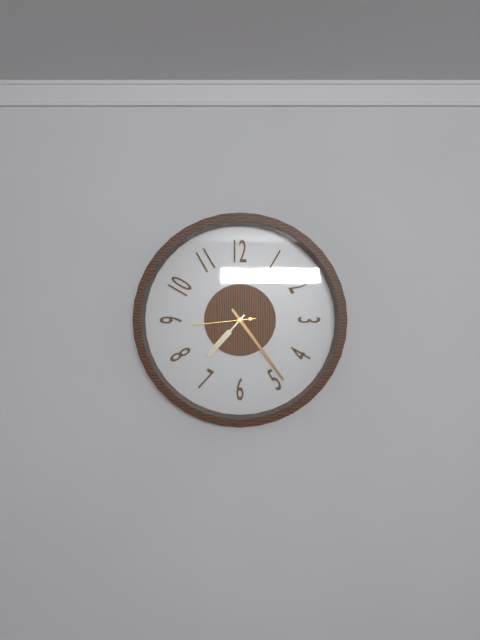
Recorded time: 7.24.44
